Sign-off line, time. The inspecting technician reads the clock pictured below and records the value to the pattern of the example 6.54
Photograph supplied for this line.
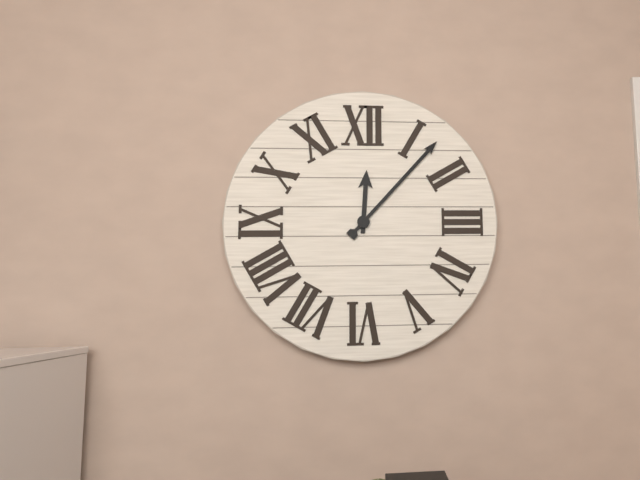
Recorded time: 12.07
